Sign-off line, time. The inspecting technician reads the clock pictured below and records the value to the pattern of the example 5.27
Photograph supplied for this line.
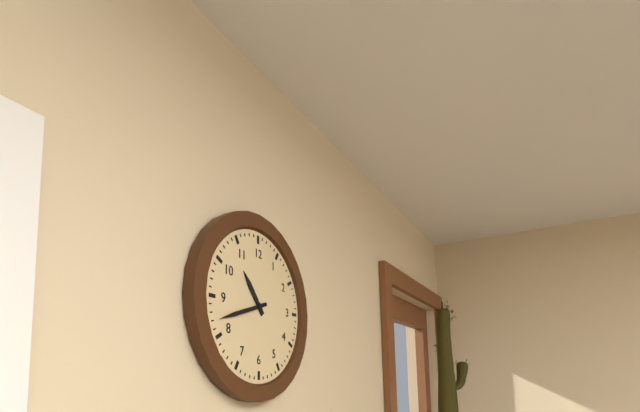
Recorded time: 10.42
